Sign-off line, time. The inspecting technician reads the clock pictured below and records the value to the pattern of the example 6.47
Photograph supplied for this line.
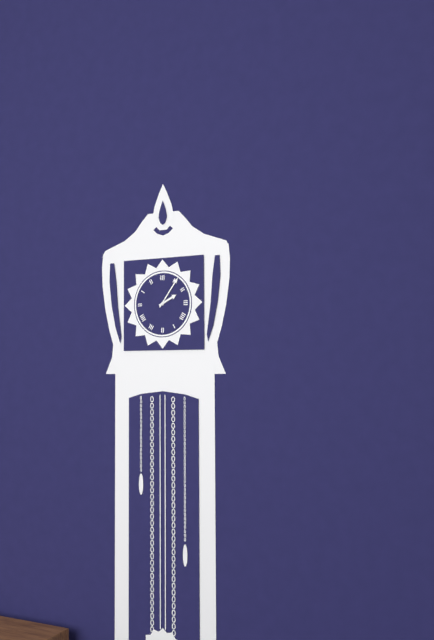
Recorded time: 2.06
